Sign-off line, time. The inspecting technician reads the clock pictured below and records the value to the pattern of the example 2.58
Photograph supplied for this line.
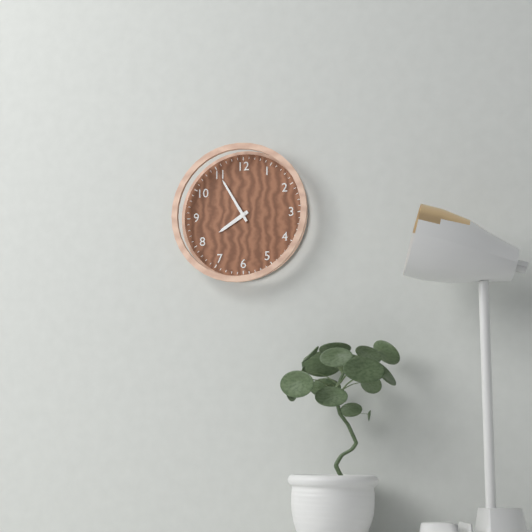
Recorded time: 7.55
